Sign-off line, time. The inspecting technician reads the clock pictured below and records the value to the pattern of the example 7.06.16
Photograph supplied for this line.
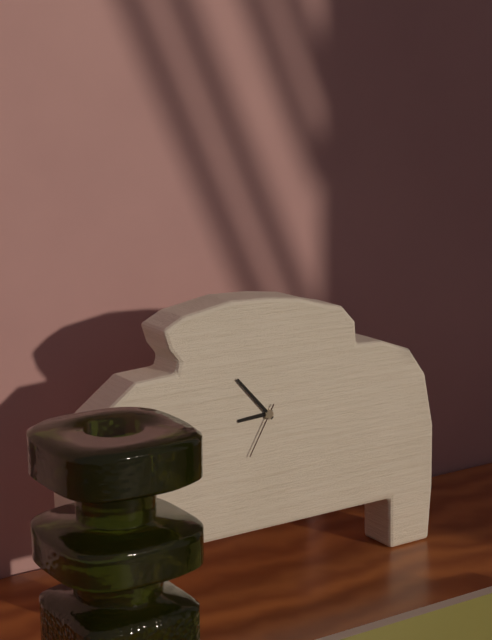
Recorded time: 8.53.35
